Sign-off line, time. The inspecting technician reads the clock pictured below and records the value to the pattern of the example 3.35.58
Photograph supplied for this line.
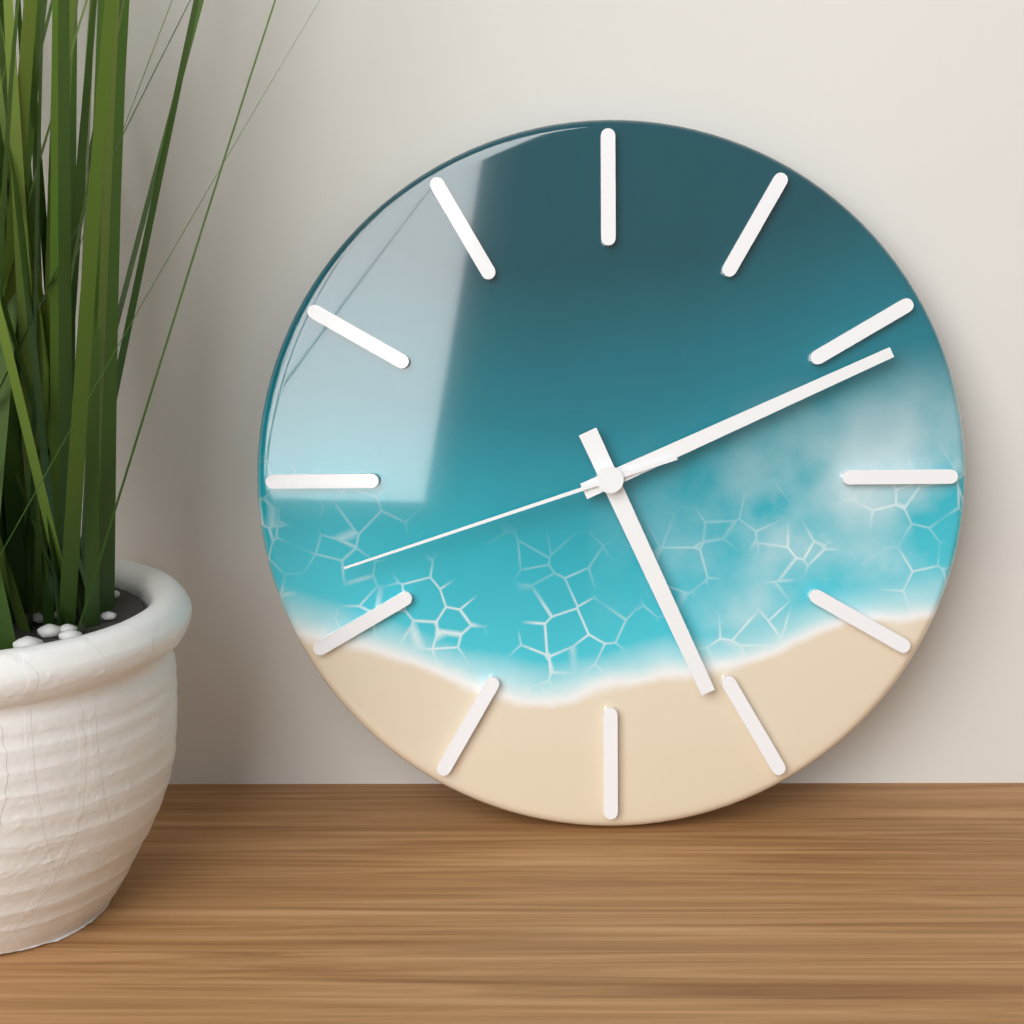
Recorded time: 5.11.42
